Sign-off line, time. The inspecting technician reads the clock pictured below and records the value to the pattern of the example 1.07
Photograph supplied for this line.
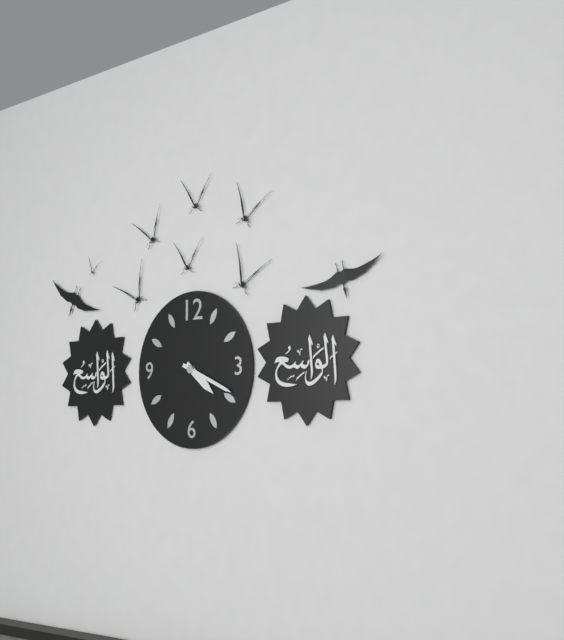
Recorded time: 4.19
